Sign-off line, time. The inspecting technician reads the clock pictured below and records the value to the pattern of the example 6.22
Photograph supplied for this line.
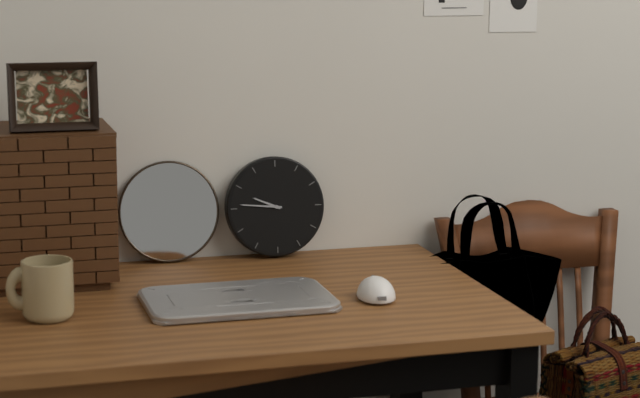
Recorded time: 9.46
